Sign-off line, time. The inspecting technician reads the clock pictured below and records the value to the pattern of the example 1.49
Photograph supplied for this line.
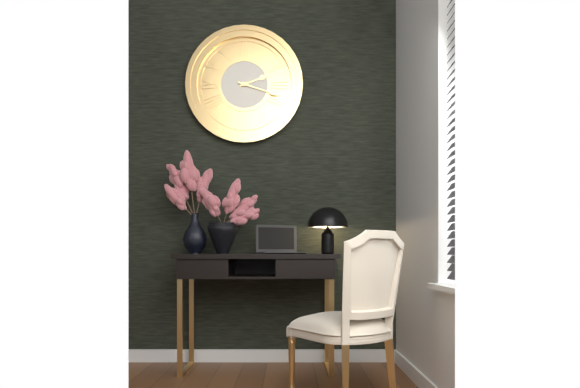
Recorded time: 2.18
